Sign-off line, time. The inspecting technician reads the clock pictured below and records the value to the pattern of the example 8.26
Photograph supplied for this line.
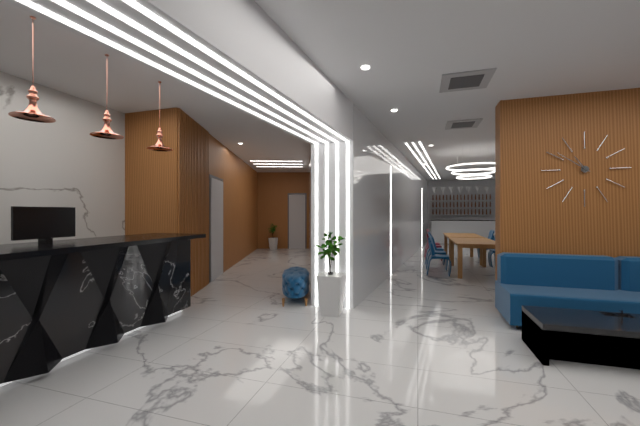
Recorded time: 10.51
